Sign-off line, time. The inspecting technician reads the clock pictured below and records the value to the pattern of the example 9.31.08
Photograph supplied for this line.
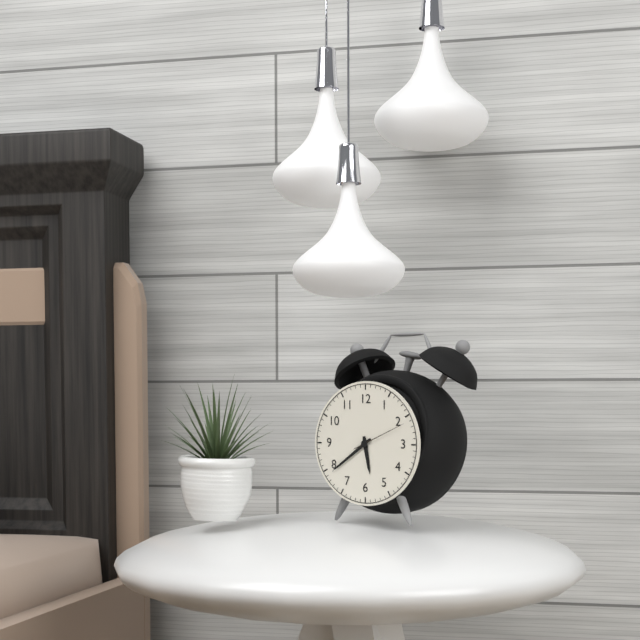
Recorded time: 5.39.11
